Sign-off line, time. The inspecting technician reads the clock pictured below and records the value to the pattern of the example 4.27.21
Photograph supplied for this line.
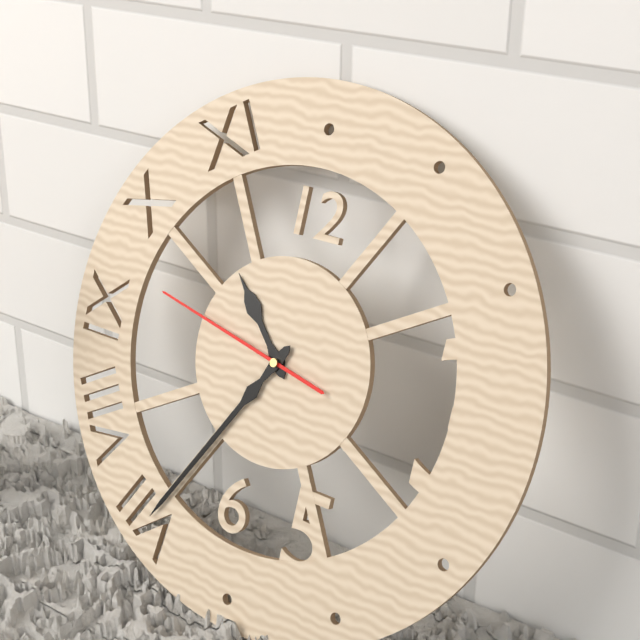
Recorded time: 10.35.47
